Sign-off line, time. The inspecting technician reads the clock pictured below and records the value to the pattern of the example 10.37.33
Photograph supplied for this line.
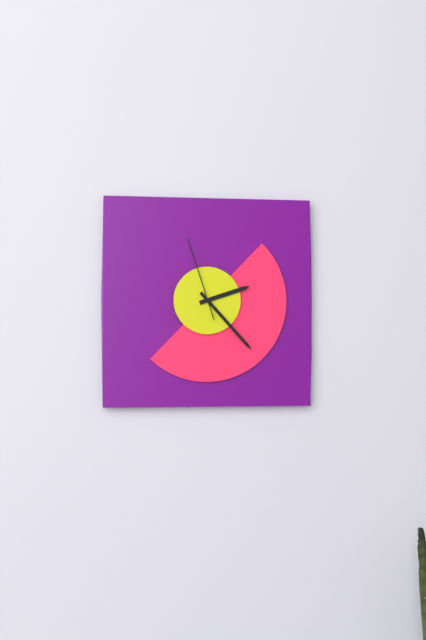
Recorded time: 2.23.57
